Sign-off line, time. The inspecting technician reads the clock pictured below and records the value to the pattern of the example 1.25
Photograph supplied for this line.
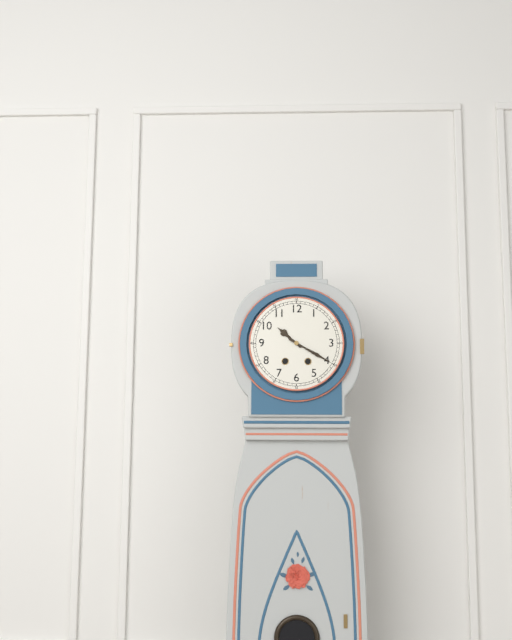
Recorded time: 10.20
